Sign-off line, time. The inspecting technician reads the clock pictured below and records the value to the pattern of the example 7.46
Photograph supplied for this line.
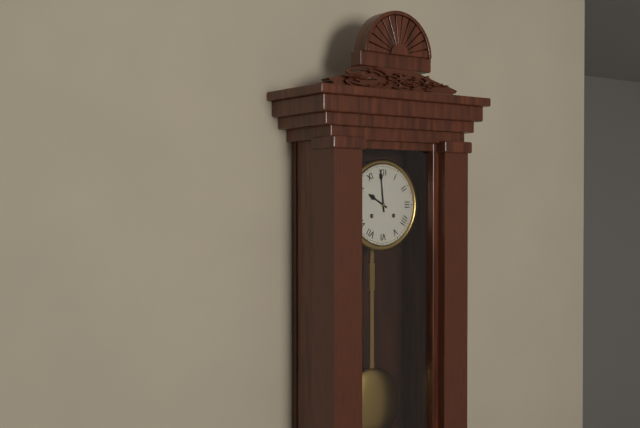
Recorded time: 9.59
